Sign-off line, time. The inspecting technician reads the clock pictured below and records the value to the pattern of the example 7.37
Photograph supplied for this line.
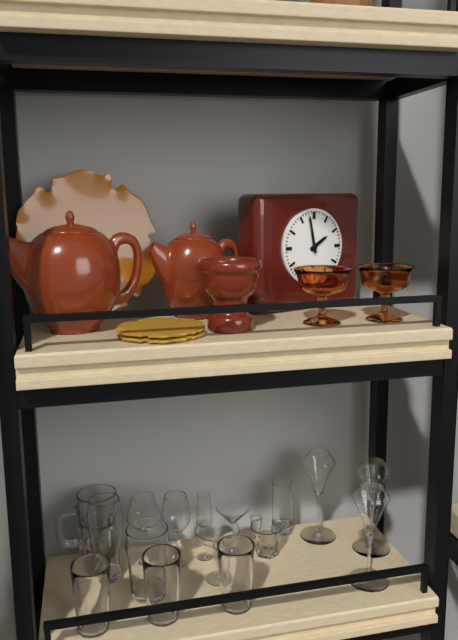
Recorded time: 1.58
